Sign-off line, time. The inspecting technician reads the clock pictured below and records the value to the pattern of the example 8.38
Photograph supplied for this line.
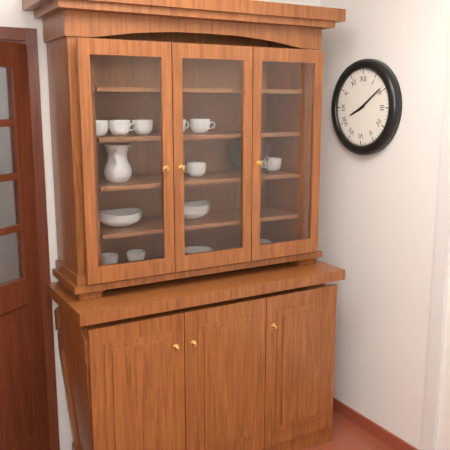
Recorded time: 8.09
